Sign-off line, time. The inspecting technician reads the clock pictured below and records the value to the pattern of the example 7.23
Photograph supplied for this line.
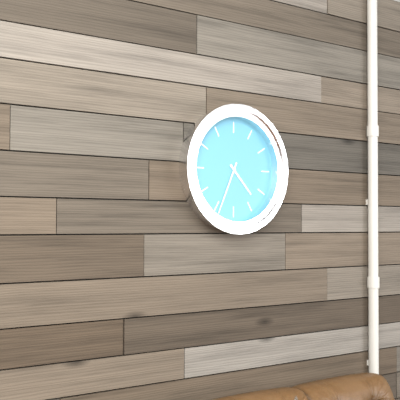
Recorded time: 4.34
